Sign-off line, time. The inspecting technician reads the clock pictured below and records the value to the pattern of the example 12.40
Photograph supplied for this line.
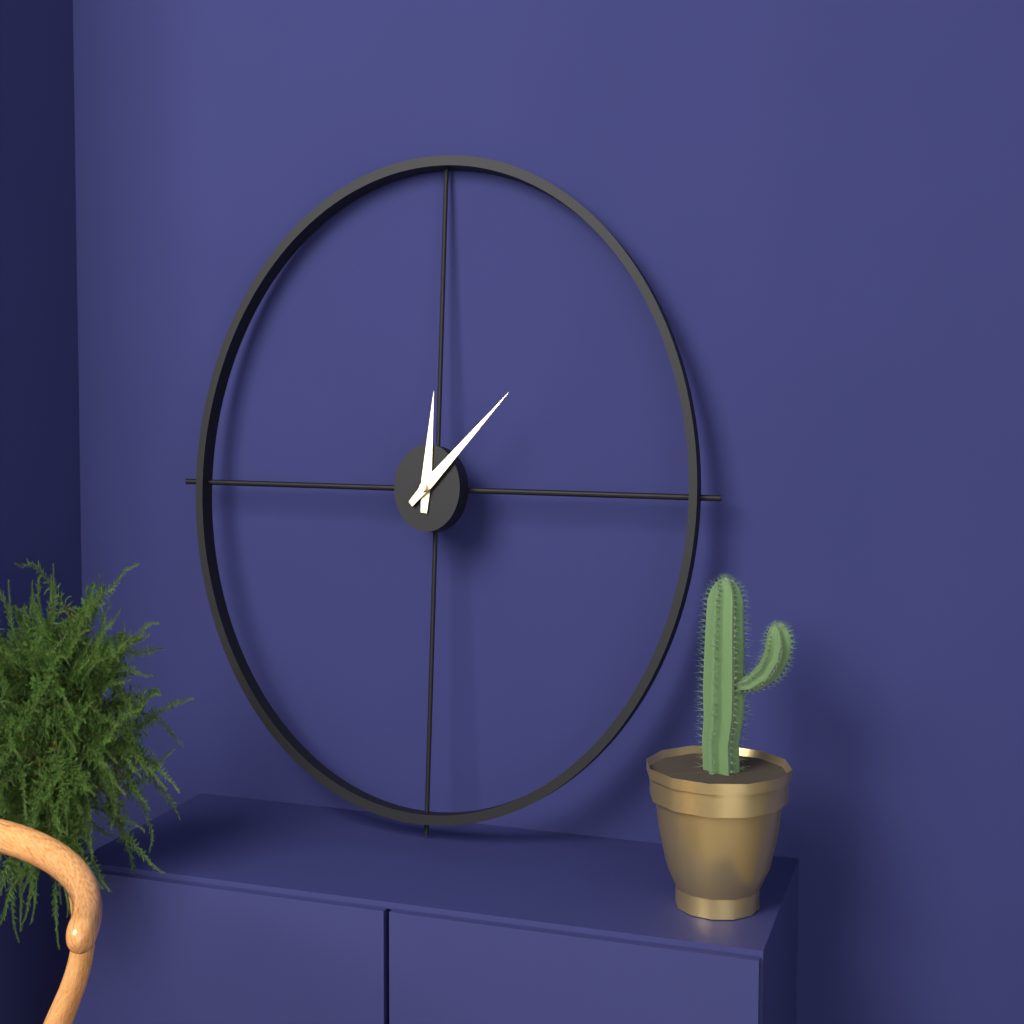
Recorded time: 12.08
